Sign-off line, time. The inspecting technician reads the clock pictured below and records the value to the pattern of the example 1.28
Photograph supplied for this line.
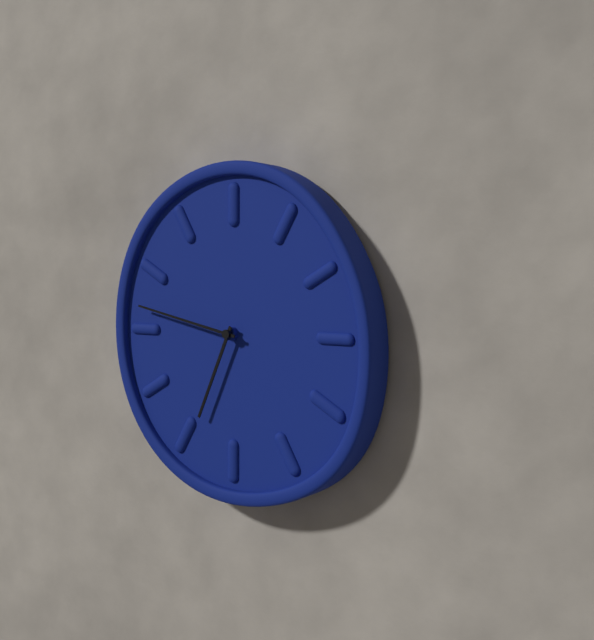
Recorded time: 6.47
